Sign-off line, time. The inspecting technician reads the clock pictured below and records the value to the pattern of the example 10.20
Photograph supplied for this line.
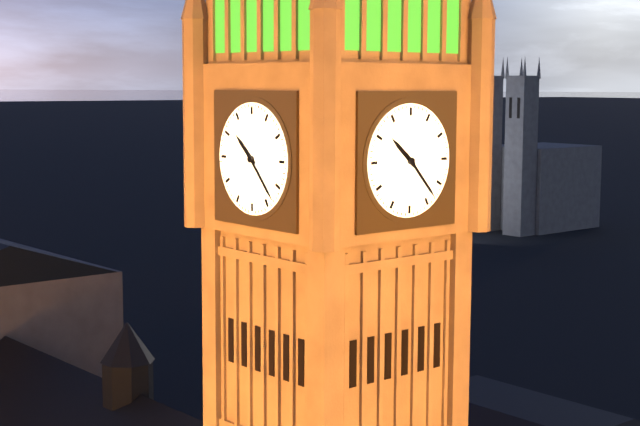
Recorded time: 10.23
